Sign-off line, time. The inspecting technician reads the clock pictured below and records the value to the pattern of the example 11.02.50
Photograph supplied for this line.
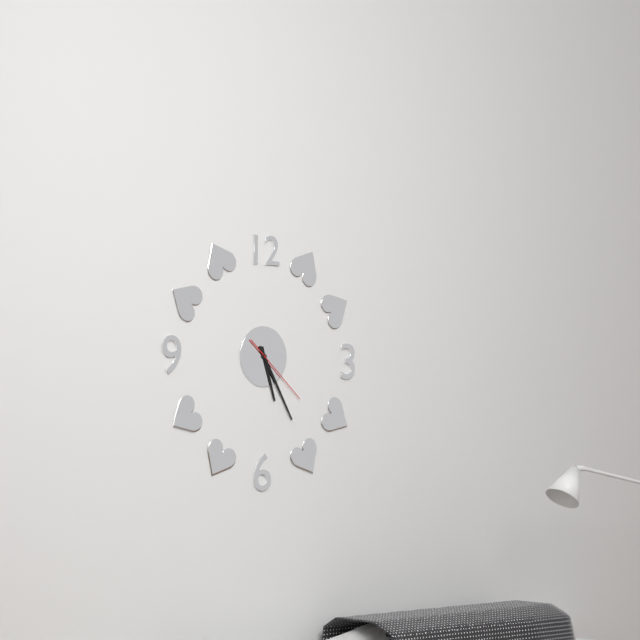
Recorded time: 5.25.22
